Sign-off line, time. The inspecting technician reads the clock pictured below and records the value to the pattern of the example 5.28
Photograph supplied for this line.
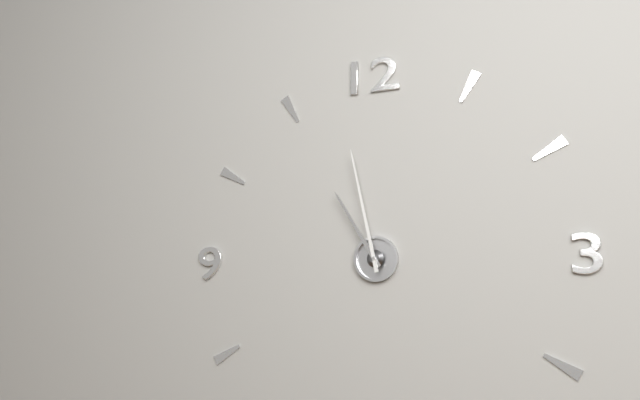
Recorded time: 10.58
